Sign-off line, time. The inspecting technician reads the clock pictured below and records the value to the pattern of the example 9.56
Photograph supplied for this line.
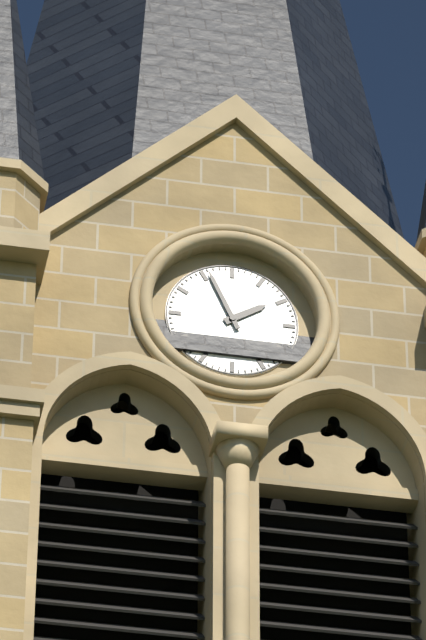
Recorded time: 1.56
